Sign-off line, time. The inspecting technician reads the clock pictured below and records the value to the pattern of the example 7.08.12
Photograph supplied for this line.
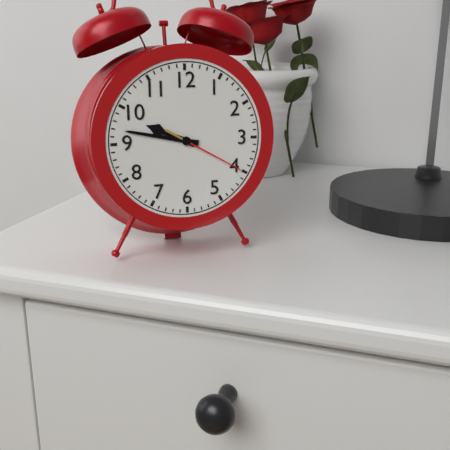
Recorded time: 9.47.20
